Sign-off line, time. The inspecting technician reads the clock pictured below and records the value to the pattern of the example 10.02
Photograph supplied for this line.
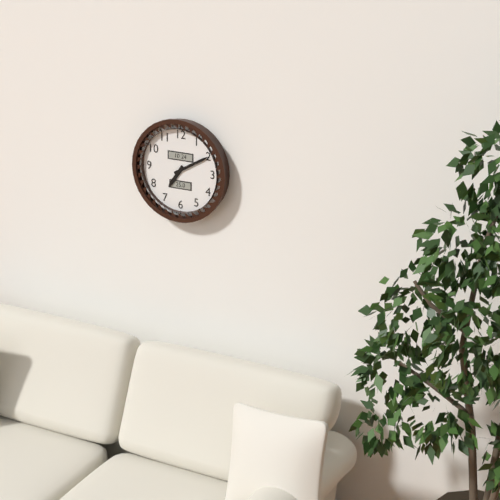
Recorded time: 7.10
